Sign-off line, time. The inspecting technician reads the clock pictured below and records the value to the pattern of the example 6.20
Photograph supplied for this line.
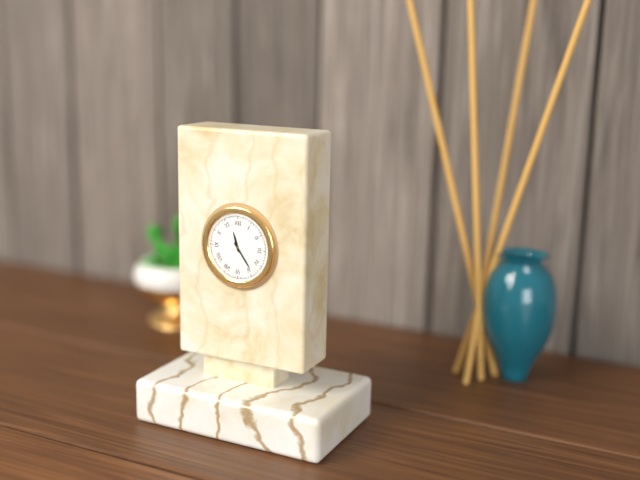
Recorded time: 11.24
